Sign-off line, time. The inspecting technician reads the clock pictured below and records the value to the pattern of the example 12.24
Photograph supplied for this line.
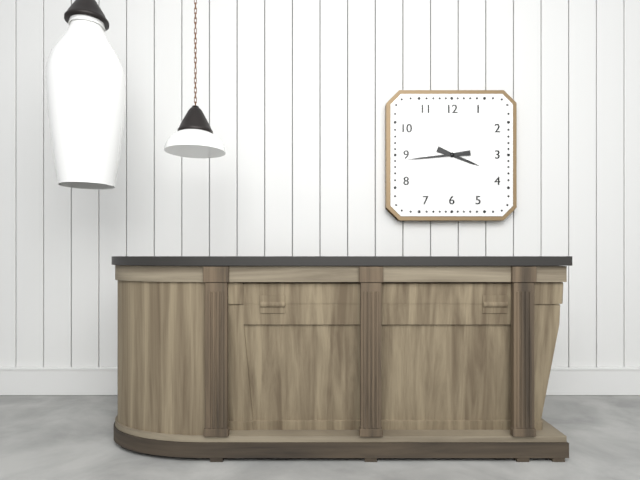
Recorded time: 3.44
